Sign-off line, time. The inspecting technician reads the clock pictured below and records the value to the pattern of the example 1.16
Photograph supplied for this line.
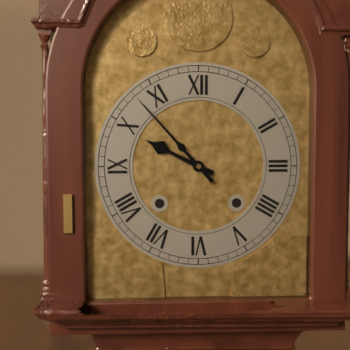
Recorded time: 9.53
